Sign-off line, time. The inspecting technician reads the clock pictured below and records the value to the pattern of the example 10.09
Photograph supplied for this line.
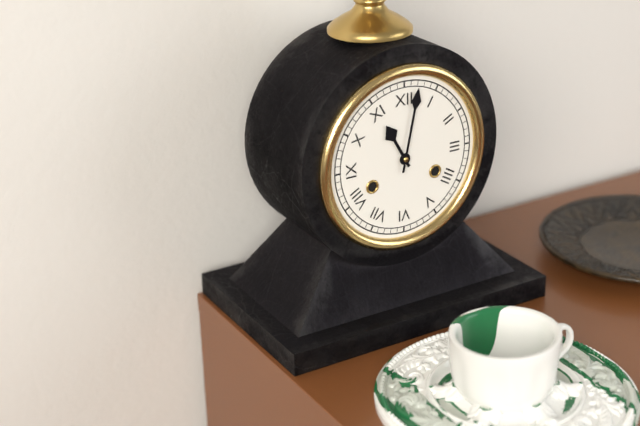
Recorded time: 11.02
